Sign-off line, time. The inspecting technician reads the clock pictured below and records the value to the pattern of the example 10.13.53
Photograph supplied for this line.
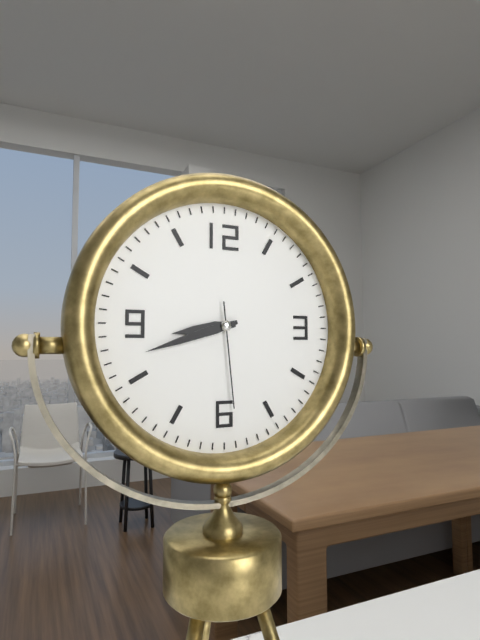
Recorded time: 8.42.29
